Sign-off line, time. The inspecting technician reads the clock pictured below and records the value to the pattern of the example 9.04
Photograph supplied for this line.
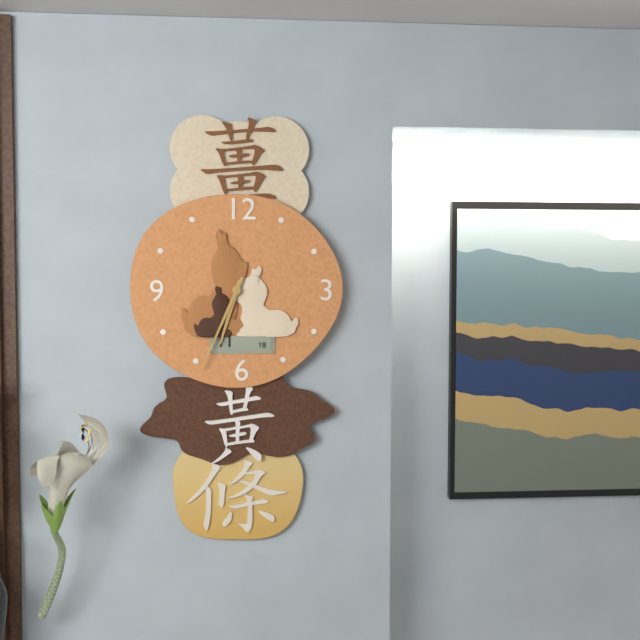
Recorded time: 6.34
